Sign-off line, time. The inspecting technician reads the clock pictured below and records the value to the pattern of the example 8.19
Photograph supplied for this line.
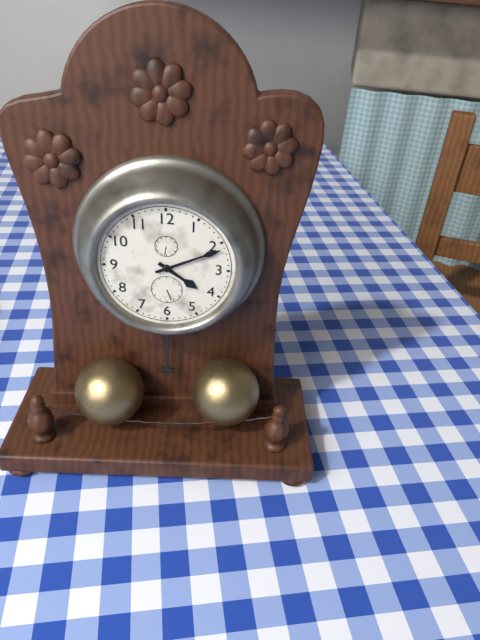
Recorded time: 4.11
